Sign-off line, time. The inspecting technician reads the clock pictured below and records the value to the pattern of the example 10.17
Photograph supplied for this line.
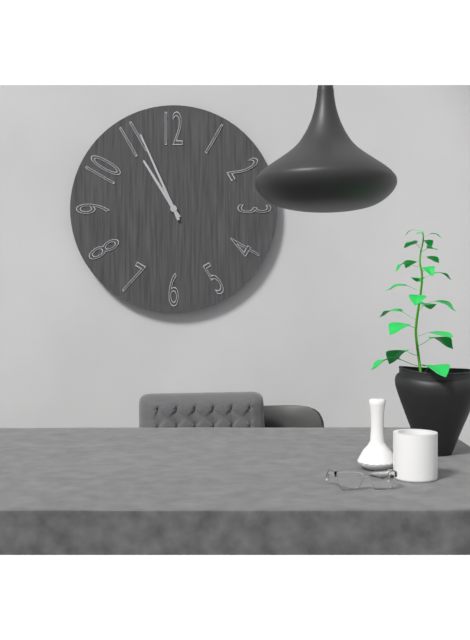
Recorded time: 10.56
